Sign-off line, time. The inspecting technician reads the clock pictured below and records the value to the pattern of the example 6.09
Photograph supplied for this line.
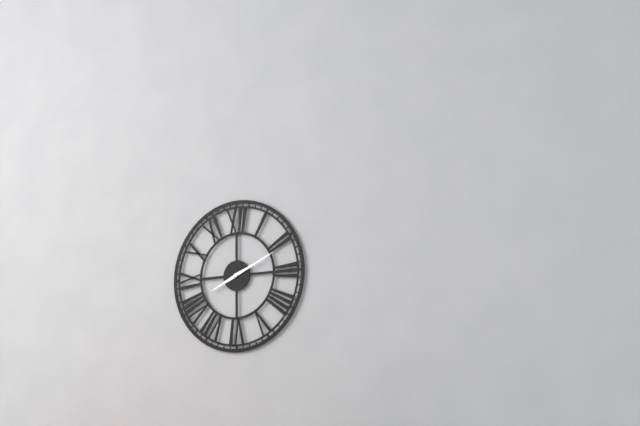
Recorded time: 8.11
